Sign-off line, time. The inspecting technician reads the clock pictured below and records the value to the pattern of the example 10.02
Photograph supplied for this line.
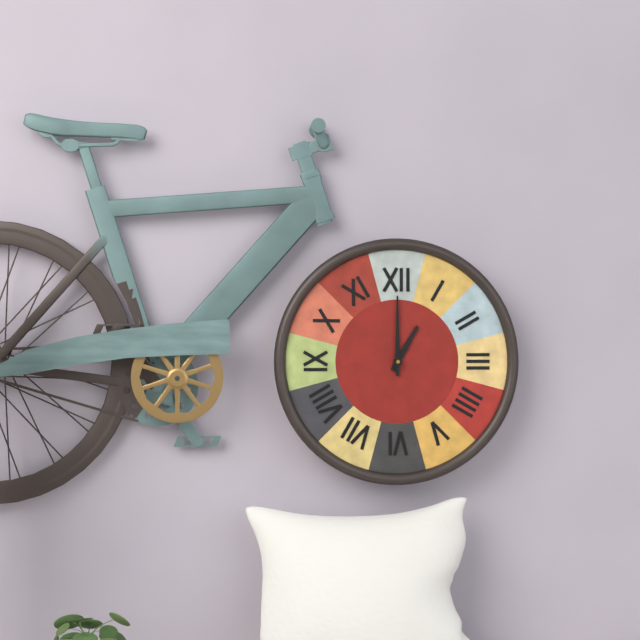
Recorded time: 1.00
